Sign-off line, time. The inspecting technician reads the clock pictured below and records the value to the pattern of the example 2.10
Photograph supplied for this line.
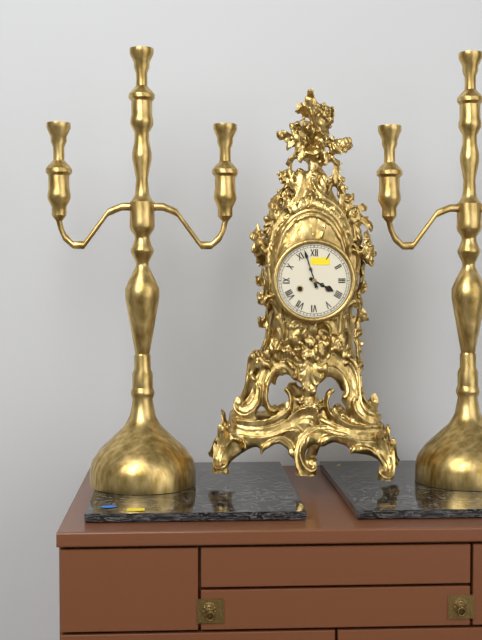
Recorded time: 3.57
